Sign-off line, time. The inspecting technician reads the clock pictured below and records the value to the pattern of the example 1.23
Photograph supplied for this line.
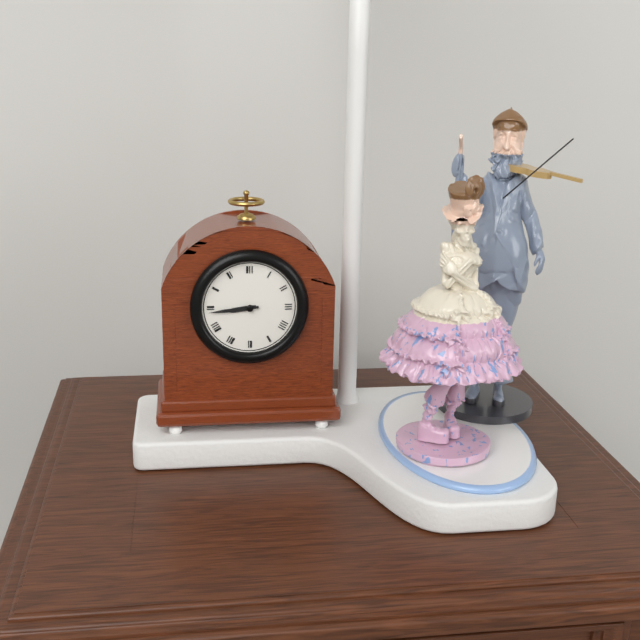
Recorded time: 8.44
